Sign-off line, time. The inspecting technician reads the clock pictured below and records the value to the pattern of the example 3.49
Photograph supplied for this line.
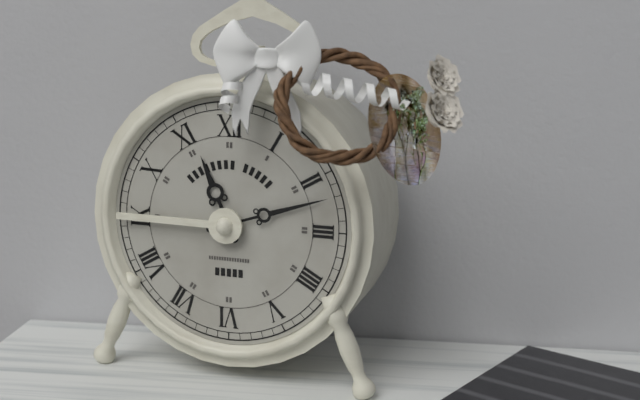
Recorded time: 11.12
